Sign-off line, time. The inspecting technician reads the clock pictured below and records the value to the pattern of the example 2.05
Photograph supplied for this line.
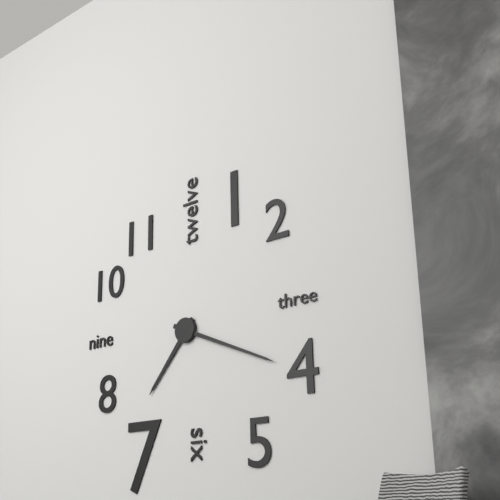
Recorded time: 7.19
